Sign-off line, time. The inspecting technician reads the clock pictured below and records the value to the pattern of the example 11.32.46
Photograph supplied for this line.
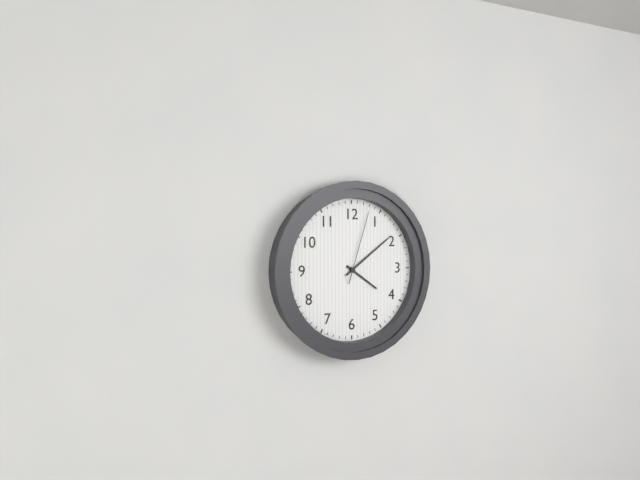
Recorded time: 4.09.03
